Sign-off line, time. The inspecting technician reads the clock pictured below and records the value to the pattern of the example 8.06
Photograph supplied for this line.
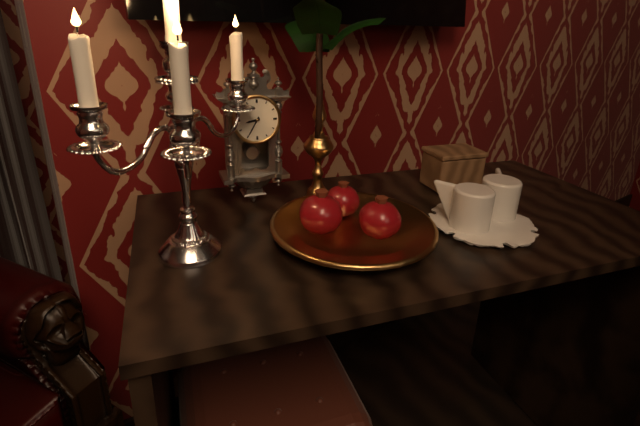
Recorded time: 8.35
